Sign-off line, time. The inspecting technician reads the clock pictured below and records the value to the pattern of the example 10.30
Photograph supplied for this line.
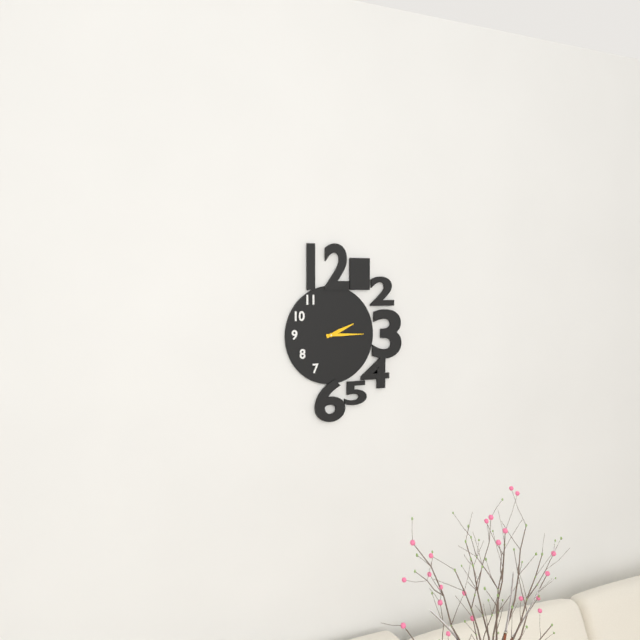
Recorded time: 2.15
